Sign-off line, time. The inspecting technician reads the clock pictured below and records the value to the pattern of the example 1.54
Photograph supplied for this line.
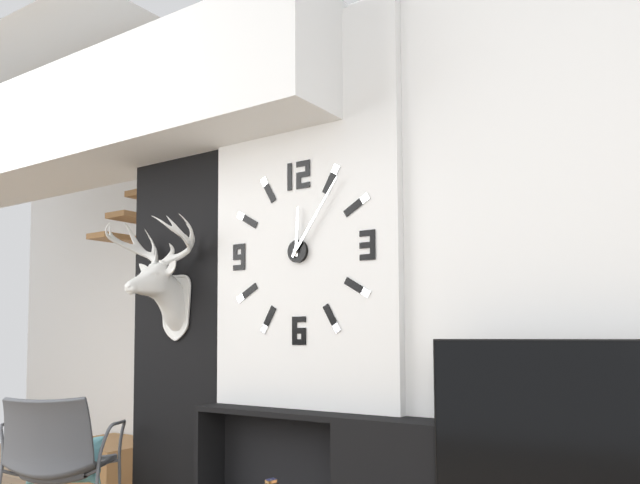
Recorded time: 12.06
